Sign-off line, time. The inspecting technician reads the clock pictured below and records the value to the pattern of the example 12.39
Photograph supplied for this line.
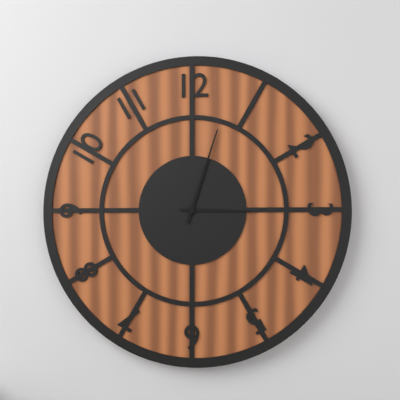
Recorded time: 3.03
